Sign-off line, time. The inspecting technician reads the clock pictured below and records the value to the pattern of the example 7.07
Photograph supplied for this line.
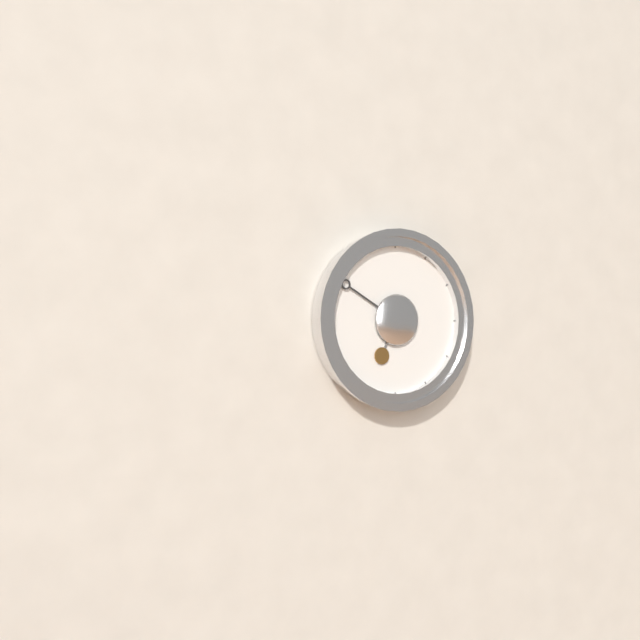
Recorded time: 6.50
